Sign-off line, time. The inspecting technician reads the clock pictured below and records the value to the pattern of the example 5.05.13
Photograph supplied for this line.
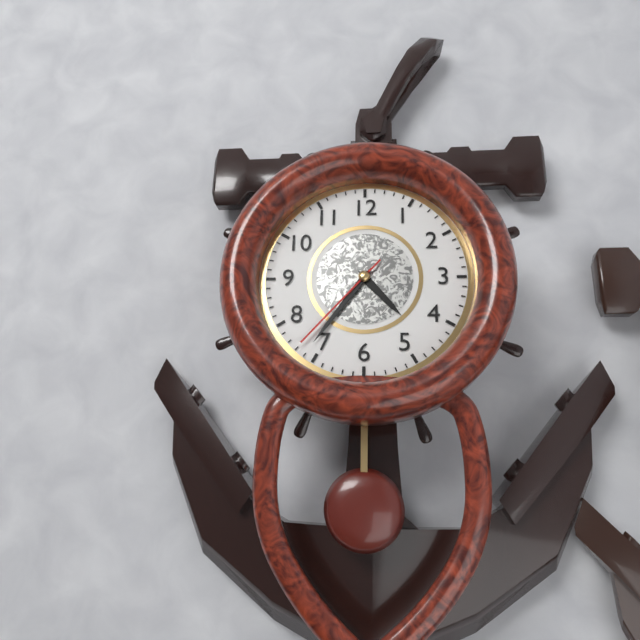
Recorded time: 4.36.37
